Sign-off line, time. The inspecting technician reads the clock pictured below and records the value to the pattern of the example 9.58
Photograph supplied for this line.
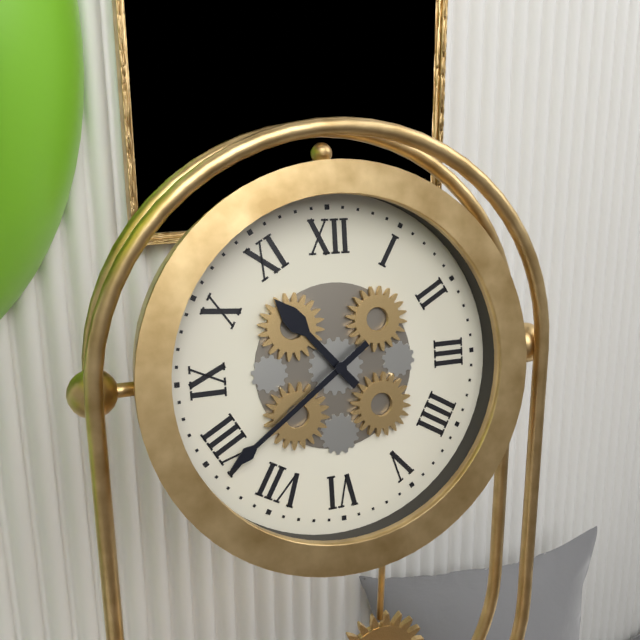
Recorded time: 10.39
